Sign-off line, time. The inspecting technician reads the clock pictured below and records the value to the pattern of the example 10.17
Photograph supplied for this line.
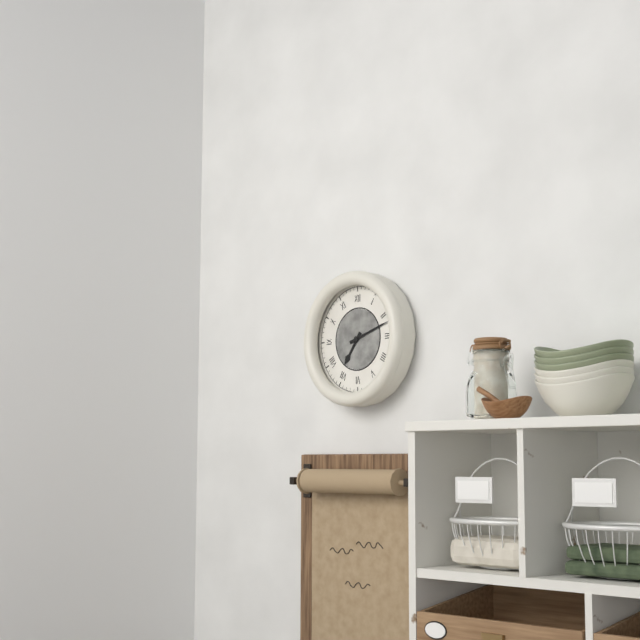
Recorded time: 7.12
